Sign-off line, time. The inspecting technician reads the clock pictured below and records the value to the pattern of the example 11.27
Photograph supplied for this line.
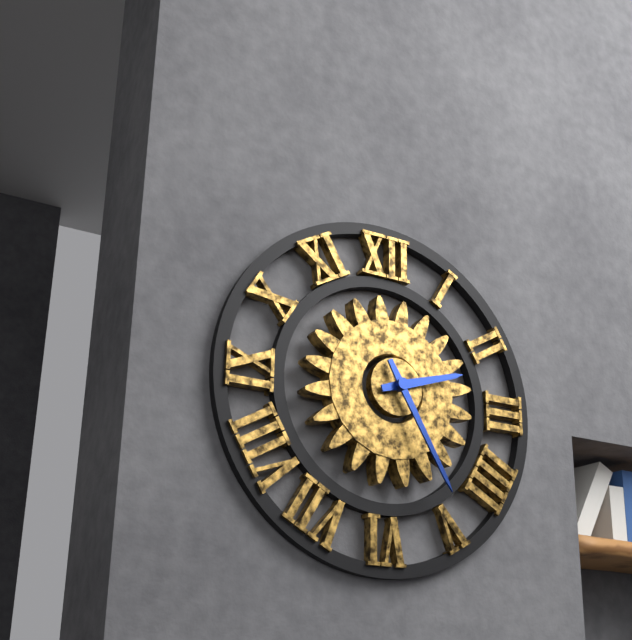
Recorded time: 2.25
